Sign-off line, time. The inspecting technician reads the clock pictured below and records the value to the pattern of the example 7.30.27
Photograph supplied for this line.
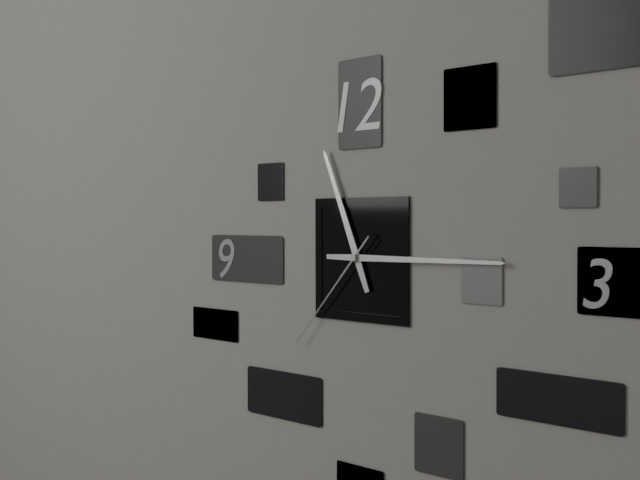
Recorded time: 11.15.37
